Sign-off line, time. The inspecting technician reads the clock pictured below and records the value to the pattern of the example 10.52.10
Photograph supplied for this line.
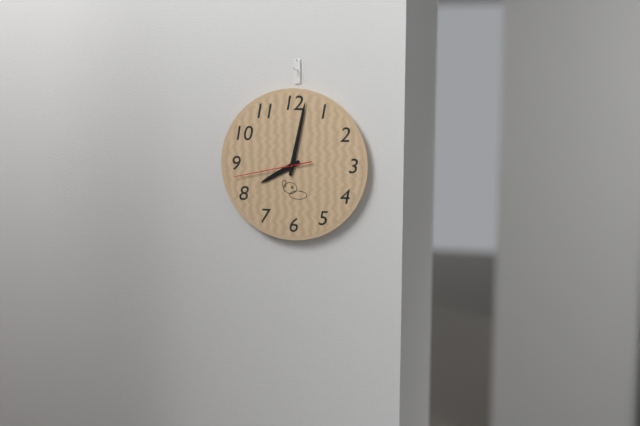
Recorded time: 8.02.43
